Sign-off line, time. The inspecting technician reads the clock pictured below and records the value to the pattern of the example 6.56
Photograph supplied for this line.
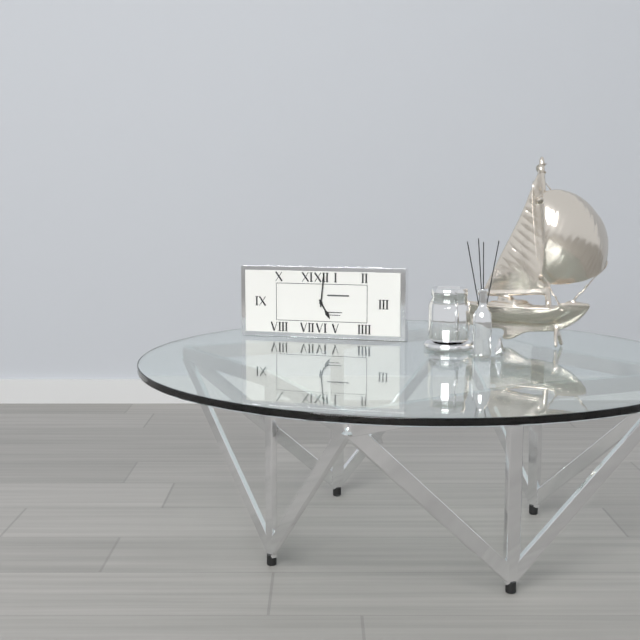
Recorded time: 5.01
